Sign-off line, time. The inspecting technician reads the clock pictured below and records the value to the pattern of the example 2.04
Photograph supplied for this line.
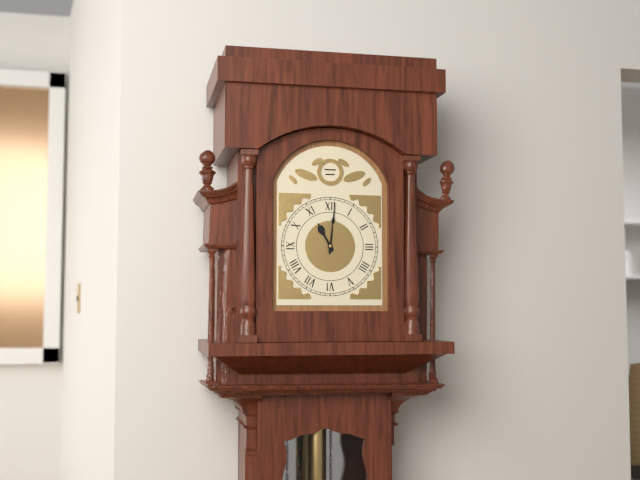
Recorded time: 11.01
